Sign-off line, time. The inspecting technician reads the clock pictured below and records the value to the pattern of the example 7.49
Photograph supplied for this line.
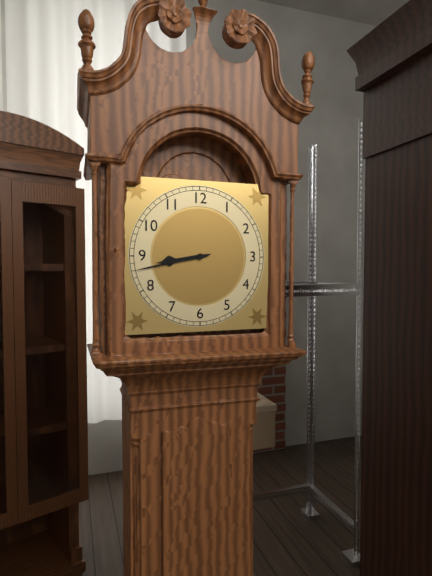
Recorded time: 8.43
